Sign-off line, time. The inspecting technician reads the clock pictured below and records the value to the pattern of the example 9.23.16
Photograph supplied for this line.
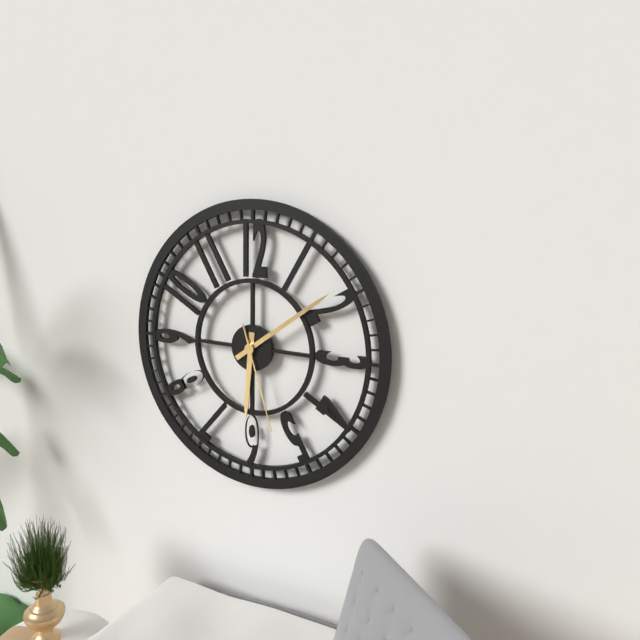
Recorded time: 6.09.27
